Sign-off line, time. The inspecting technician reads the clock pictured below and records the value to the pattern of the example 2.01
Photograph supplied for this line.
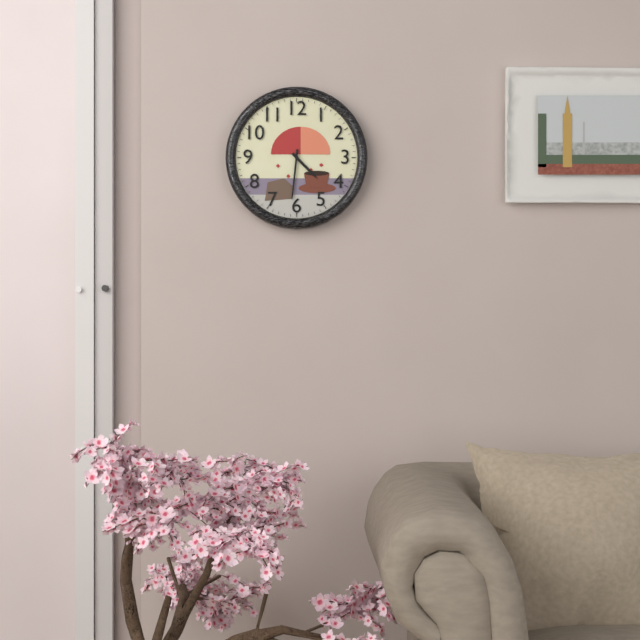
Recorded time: 4.31
